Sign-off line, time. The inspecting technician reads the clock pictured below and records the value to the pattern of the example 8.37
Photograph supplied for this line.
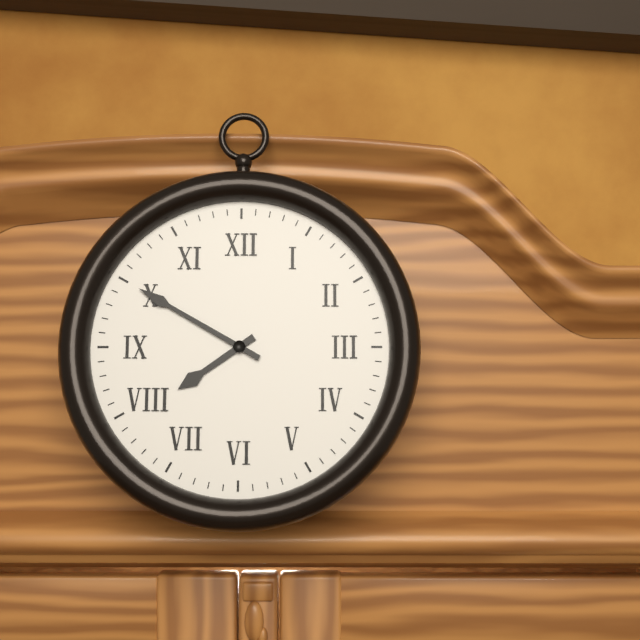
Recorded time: 7.50
